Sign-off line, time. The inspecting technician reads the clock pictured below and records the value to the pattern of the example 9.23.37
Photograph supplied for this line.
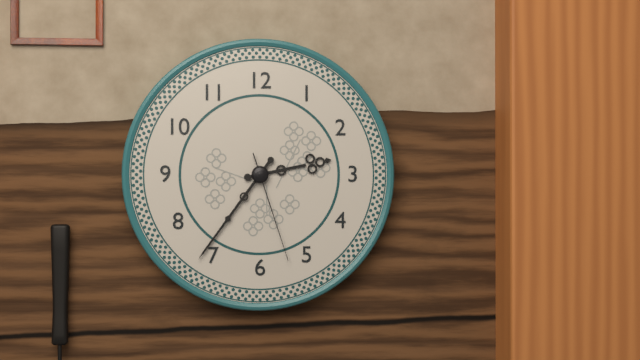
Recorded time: 2.36.27
